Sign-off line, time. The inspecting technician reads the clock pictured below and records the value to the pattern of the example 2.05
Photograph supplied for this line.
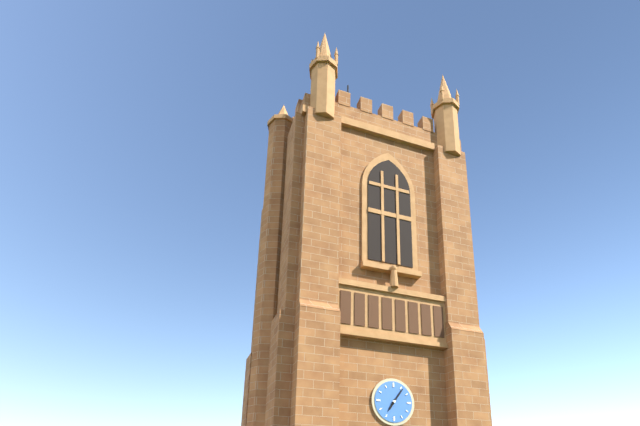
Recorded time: 7.06
